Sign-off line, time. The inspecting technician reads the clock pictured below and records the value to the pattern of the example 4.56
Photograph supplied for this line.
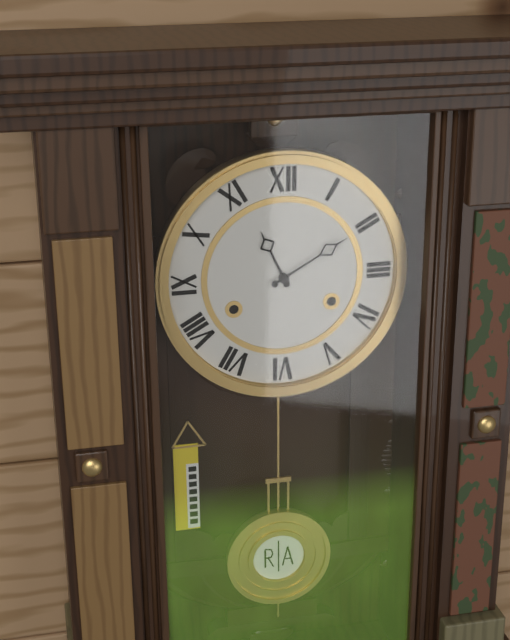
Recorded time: 11.10
